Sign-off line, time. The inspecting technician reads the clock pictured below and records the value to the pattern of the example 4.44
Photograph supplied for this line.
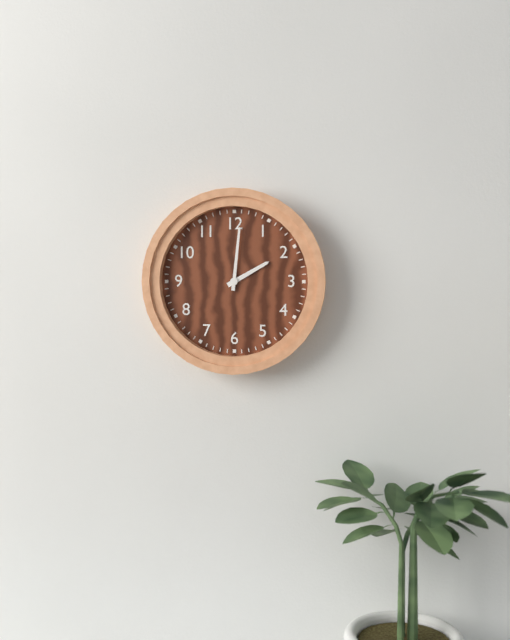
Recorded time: 2.01
